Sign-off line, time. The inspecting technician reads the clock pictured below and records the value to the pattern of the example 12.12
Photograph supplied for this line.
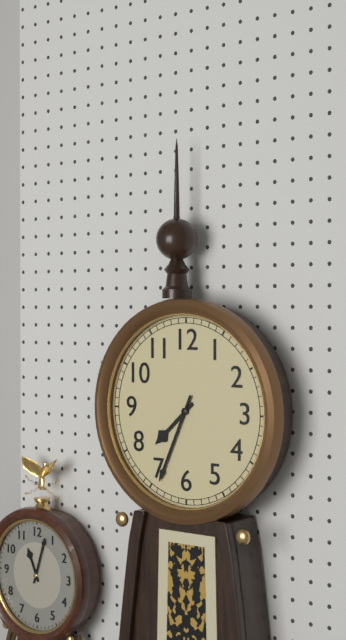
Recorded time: 7.34
